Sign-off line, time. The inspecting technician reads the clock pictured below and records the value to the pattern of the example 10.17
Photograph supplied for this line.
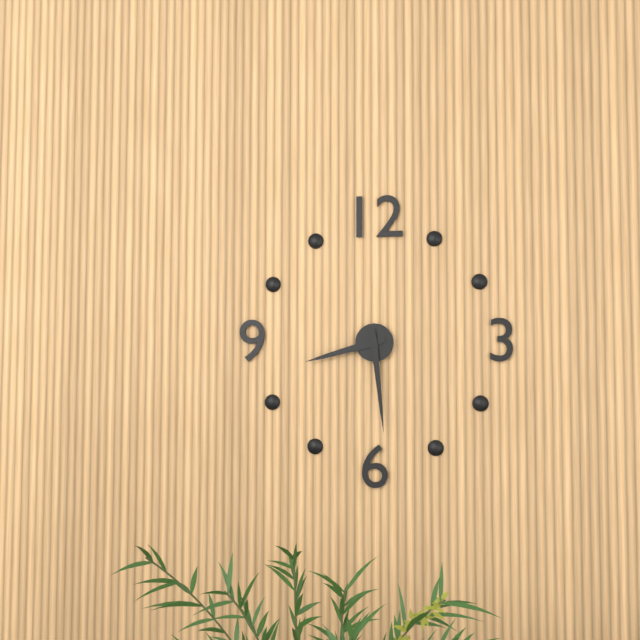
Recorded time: 8.29
